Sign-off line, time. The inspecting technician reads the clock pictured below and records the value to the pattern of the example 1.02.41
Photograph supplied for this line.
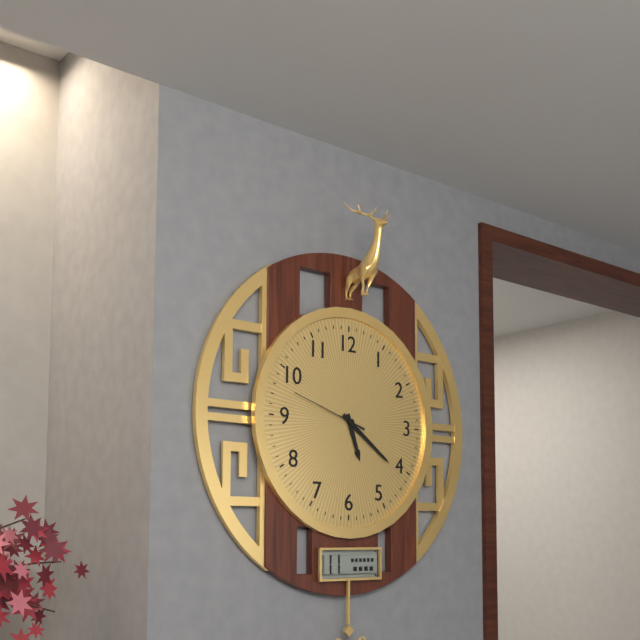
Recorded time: 5.21.48
